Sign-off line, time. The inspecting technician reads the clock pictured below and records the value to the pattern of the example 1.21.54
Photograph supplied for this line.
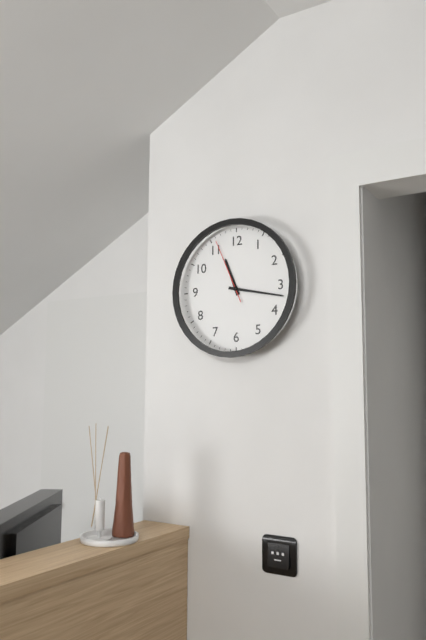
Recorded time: 11.17.56
